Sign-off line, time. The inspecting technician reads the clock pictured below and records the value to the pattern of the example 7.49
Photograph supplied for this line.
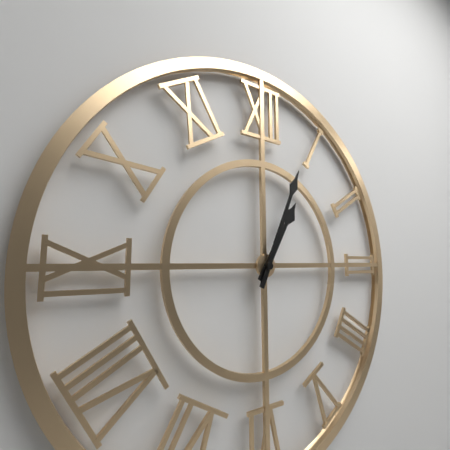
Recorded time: 1.04
